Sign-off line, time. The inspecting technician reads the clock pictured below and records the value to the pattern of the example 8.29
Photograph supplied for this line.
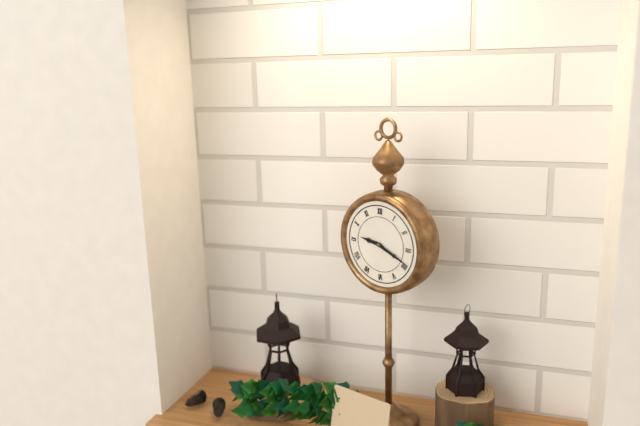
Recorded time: 9.19
